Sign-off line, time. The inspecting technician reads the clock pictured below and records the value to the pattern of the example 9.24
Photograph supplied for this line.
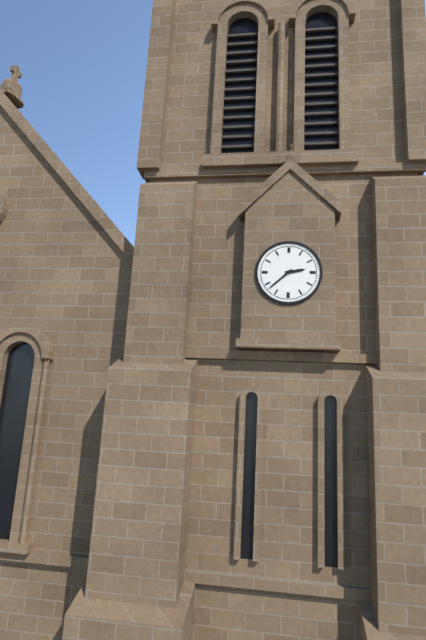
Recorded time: 2.38
